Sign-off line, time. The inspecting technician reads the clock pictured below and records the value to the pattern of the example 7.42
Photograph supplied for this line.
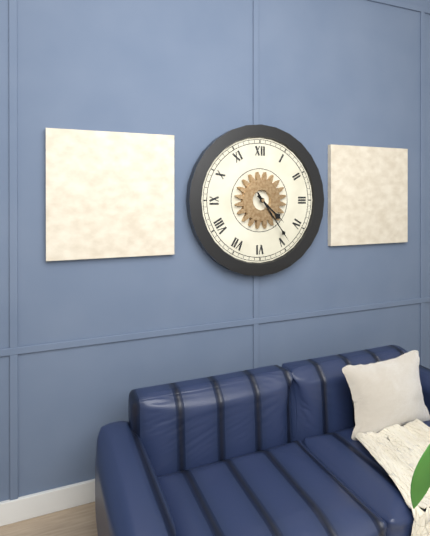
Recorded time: 4.24
